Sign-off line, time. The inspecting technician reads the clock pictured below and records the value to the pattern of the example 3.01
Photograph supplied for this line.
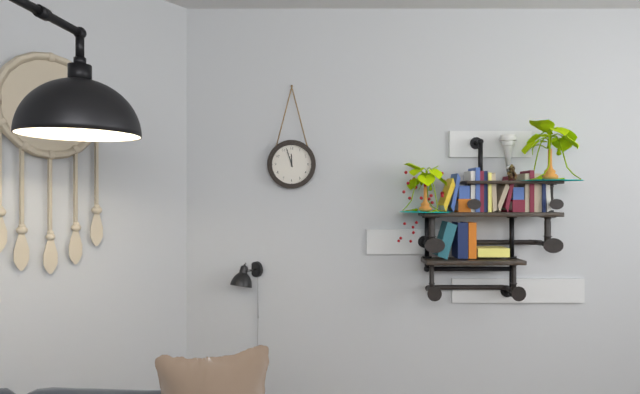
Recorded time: 11.57
